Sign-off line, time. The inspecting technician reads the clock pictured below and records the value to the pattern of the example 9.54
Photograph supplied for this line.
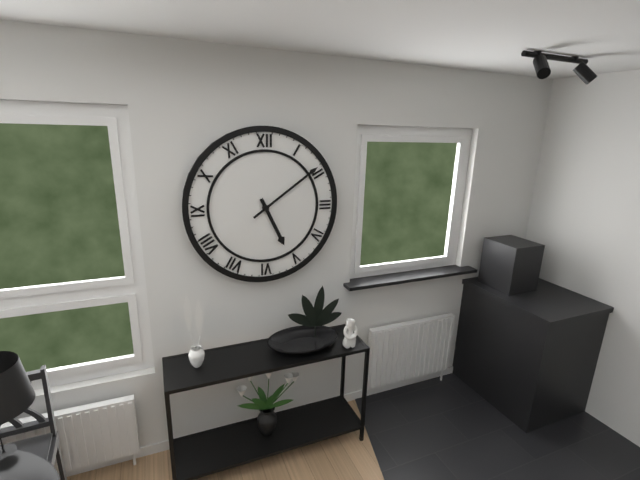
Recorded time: 5.09
